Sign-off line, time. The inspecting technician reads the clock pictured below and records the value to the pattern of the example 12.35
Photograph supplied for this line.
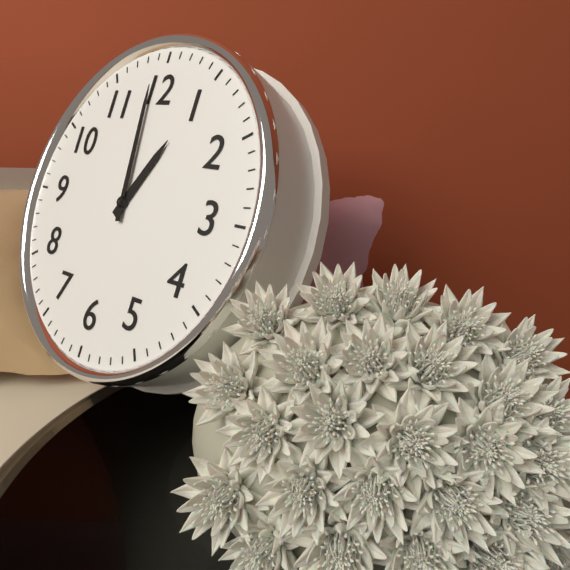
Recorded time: 12.59
